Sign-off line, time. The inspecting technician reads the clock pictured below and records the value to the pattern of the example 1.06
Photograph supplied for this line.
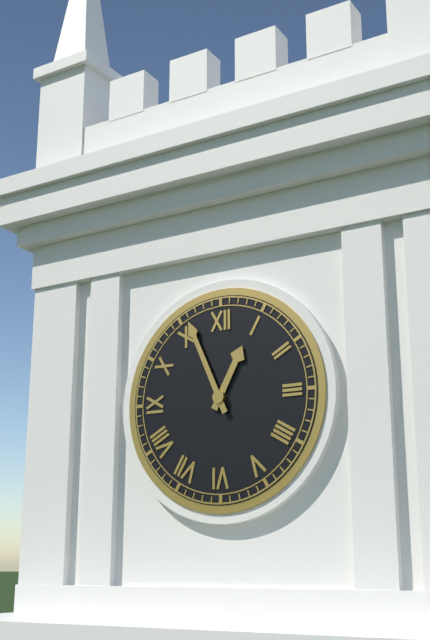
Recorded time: 12.56
